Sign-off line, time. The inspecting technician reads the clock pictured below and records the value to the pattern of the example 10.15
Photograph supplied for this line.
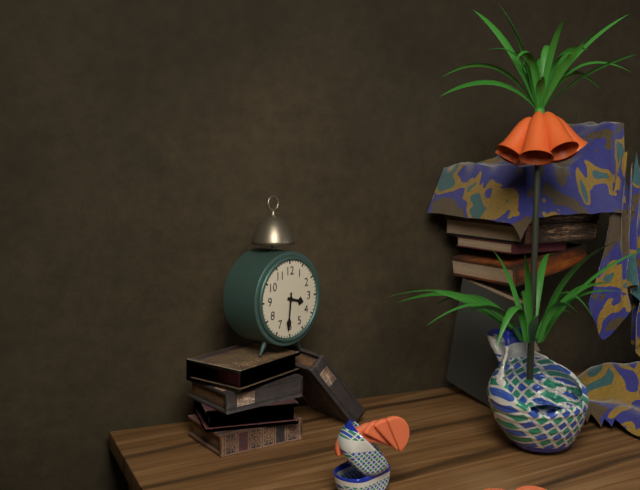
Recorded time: 3.31
